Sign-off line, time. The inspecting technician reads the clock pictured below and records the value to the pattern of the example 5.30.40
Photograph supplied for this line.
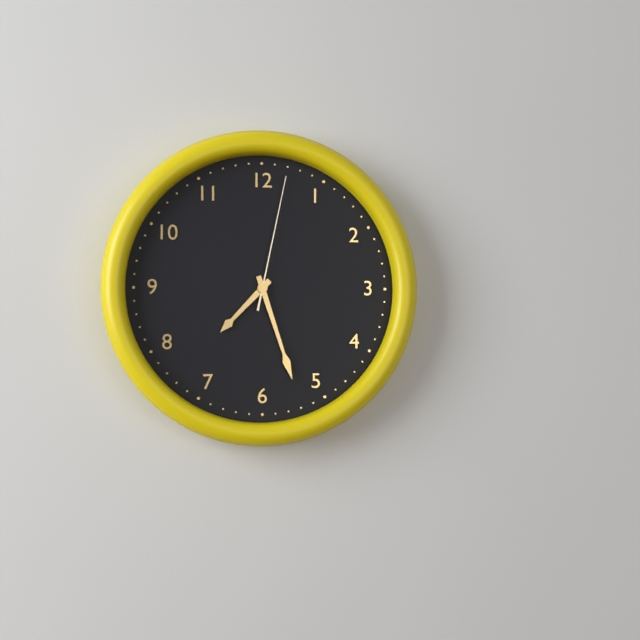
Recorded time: 7.27.02
